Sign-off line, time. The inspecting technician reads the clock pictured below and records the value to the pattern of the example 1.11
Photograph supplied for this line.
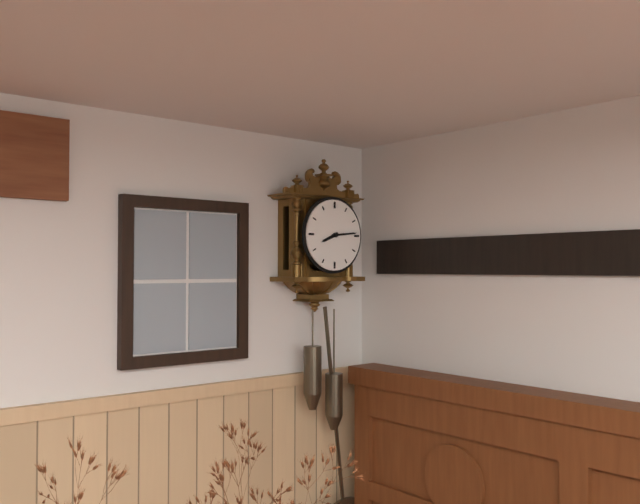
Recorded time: 8.14
